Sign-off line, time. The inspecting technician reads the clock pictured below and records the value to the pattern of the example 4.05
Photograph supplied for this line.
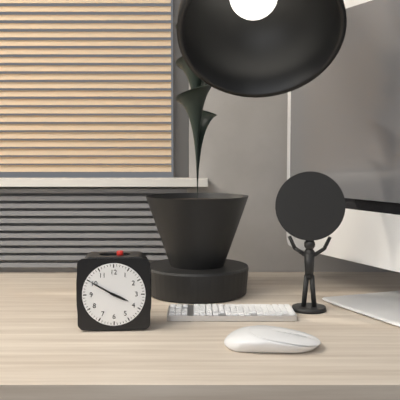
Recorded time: 3.50
